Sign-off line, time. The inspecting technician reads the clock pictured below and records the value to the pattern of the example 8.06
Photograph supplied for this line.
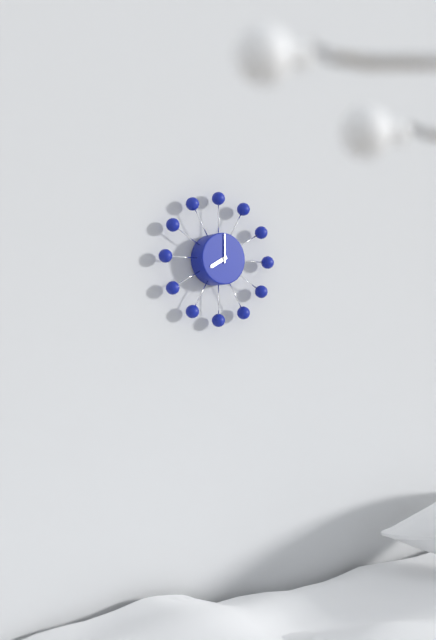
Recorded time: 8.00
